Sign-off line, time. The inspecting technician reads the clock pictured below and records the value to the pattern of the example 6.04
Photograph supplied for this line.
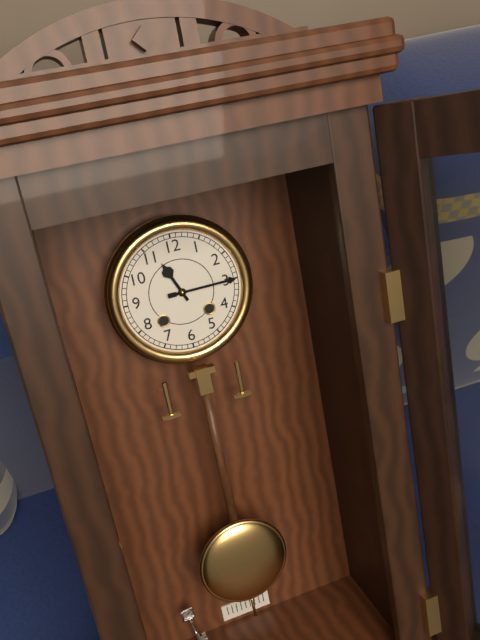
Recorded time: 11.15
